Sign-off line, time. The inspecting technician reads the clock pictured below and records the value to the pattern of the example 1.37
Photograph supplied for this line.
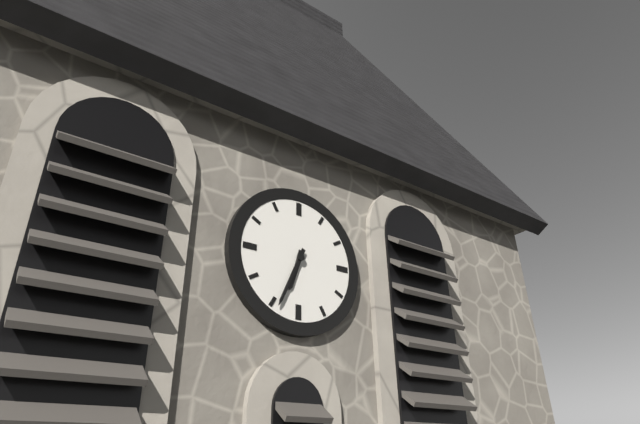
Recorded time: 6.34
